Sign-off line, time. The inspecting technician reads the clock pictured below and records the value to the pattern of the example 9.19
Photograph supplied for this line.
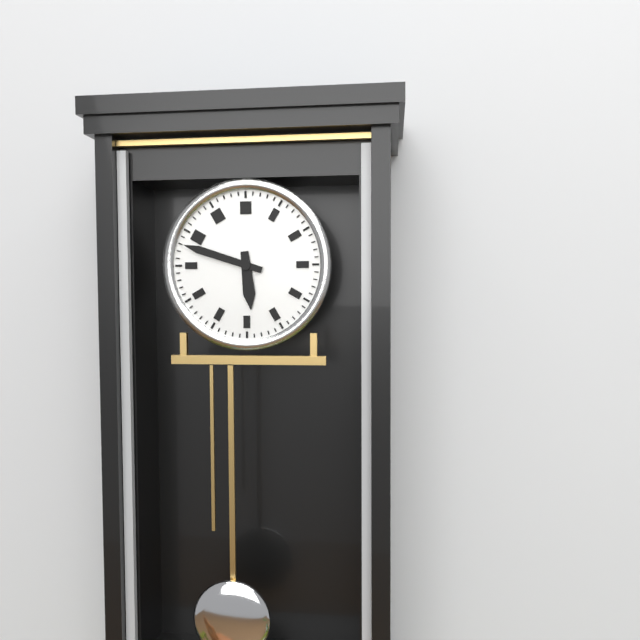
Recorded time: 5.48
